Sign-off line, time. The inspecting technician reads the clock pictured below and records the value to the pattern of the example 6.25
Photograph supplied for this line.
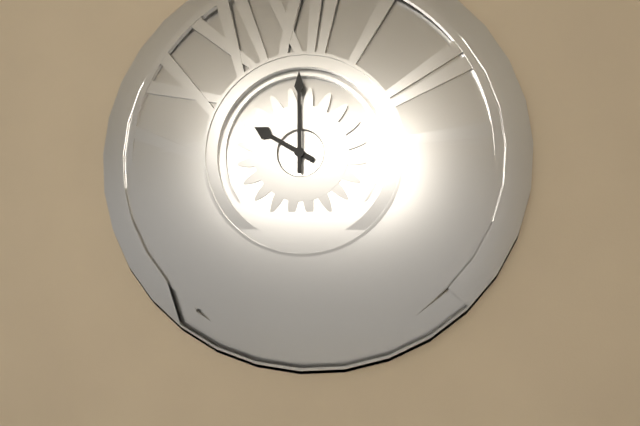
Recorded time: 10.00
